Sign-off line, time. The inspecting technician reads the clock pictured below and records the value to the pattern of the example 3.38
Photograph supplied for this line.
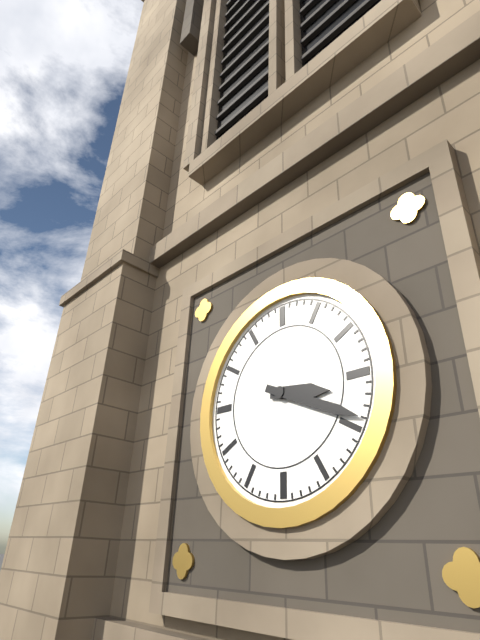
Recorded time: 3.19
